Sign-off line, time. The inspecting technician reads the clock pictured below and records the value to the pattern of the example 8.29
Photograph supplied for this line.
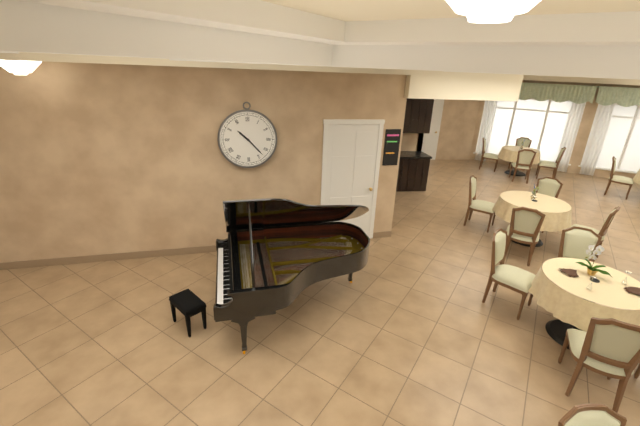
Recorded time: 10.23
